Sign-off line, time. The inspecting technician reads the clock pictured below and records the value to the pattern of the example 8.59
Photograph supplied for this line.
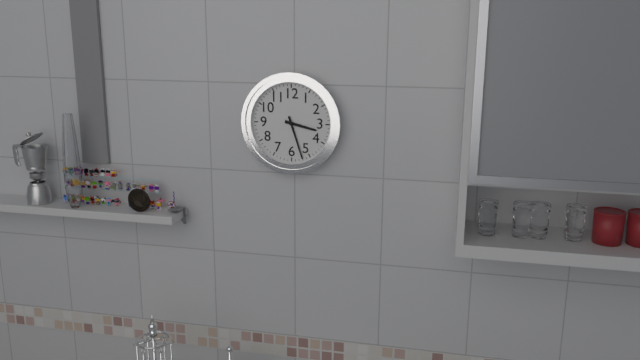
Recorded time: 3.27
